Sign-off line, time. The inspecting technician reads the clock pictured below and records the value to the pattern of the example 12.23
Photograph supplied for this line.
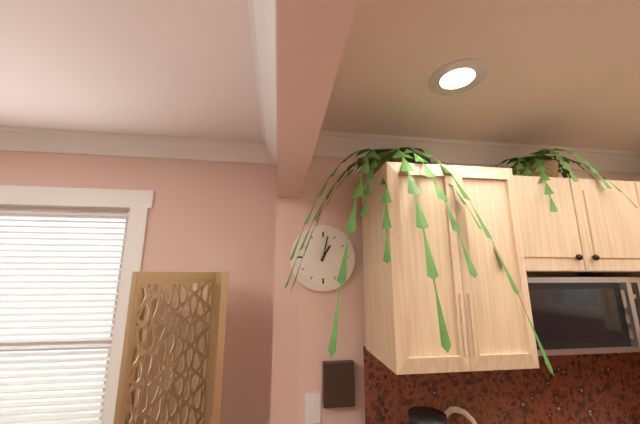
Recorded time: 1.02
